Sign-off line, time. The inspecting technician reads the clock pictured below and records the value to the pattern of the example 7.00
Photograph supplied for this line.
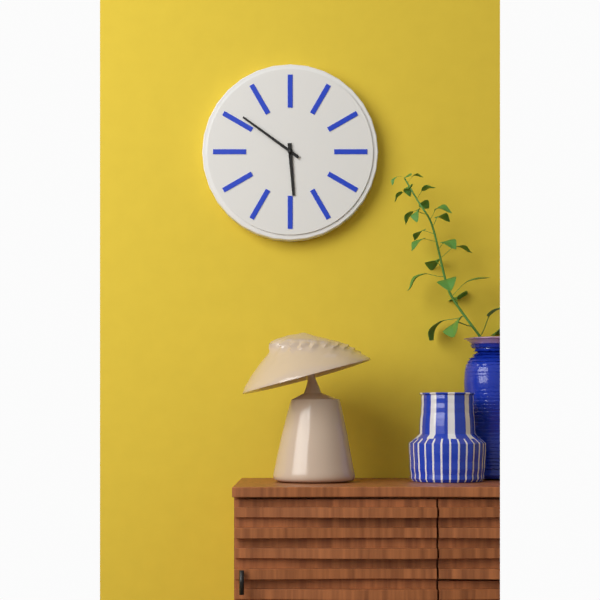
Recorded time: 5.51
